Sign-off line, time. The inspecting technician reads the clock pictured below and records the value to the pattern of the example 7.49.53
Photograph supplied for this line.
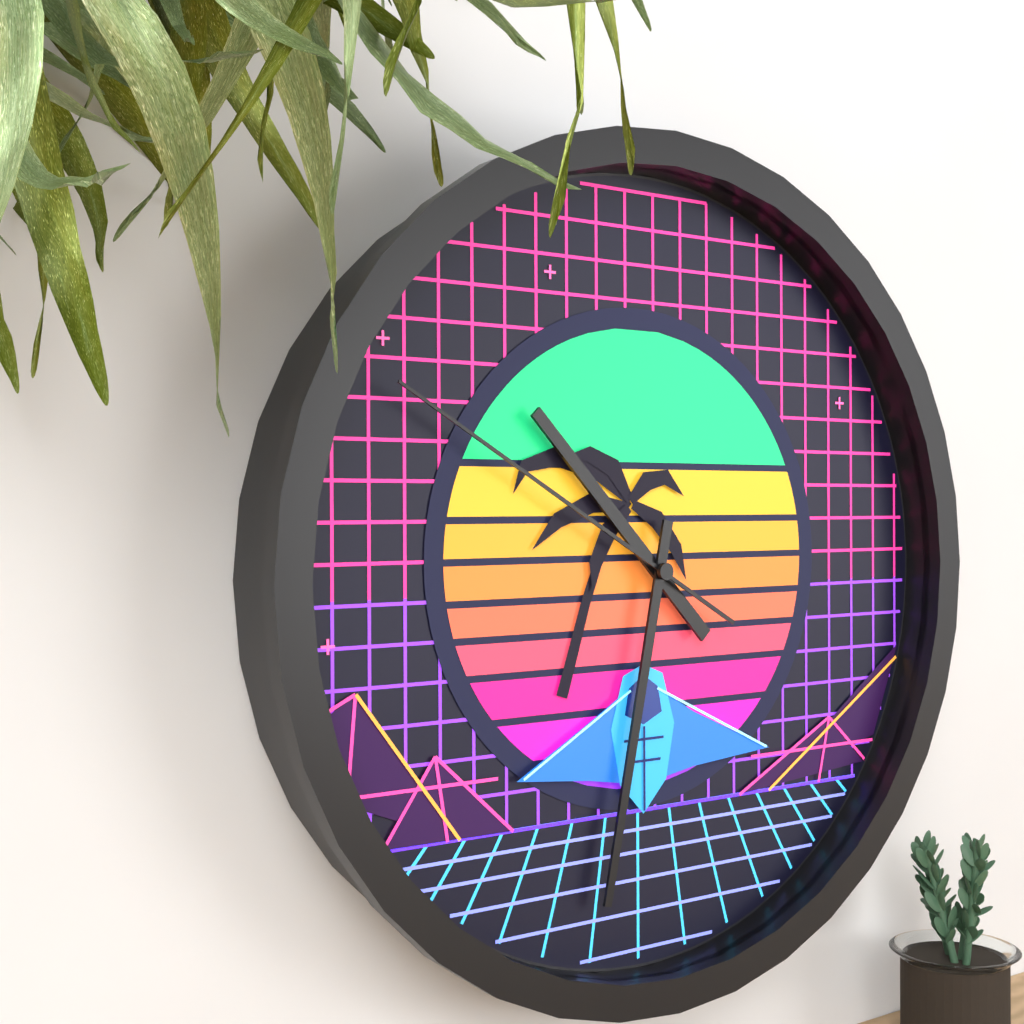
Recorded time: 10.32.50
